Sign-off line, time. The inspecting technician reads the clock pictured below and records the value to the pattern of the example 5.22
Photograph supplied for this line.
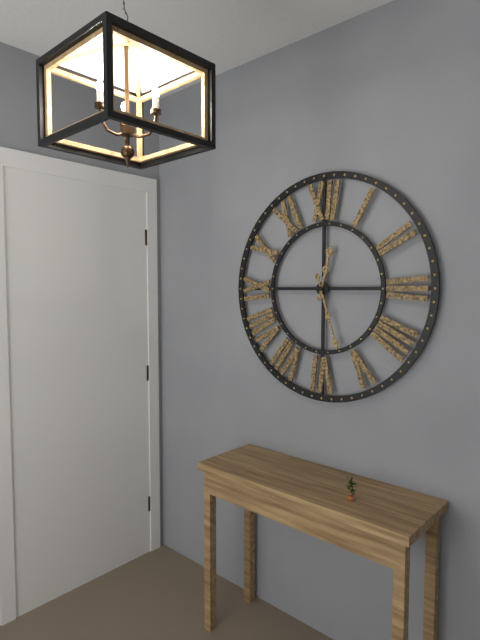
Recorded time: 12.27
